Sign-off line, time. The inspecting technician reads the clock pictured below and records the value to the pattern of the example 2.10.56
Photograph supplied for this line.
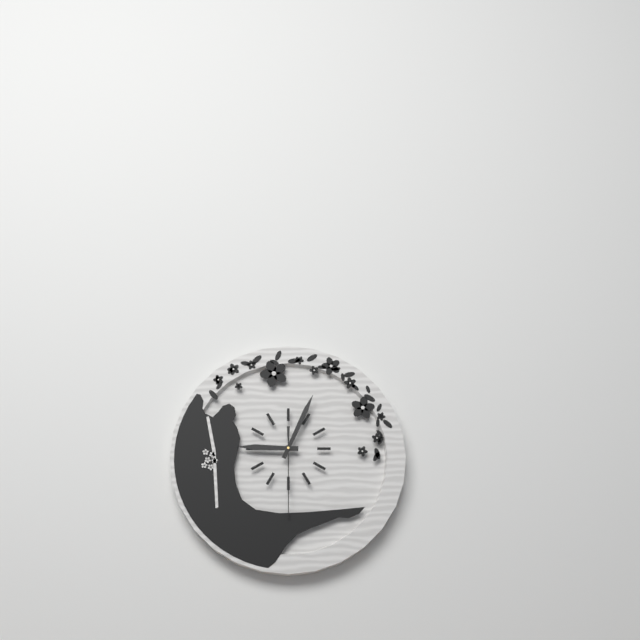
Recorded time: 9.04.30
